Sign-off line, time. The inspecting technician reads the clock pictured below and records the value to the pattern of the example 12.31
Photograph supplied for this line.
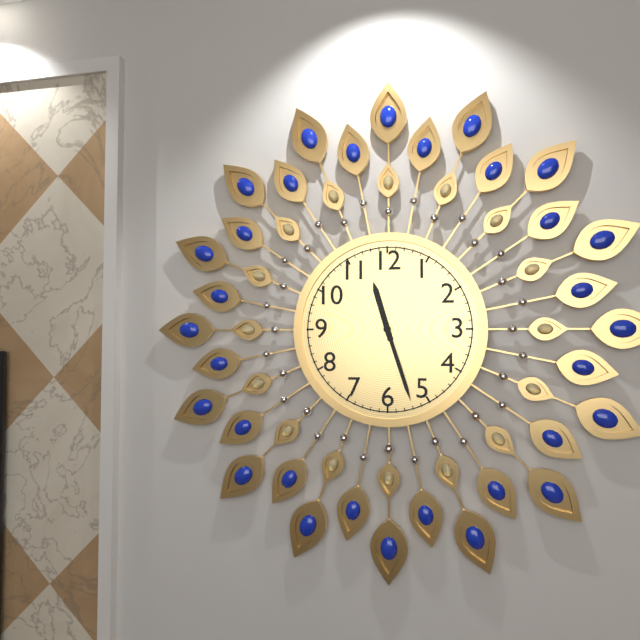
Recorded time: 11.27
